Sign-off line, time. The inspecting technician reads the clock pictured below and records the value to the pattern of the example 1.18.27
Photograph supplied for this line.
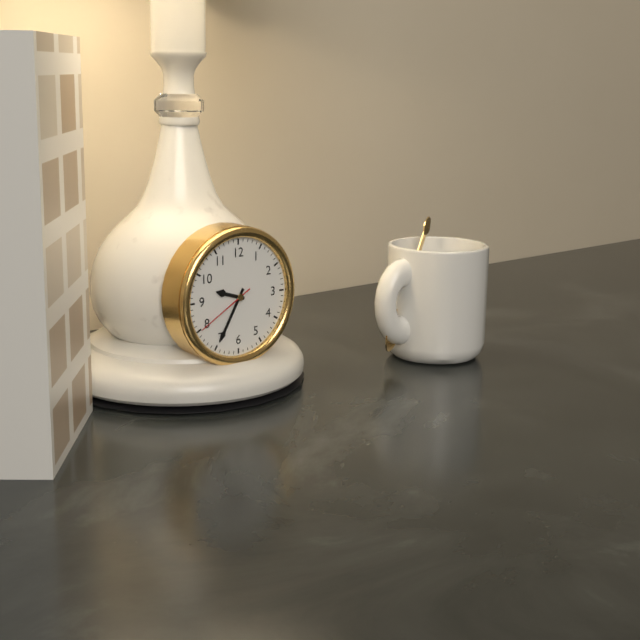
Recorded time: 9.35.40
